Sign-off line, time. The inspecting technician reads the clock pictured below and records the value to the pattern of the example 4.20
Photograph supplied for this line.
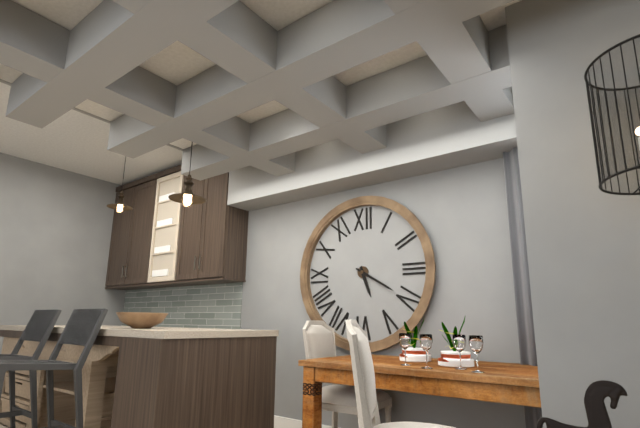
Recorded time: 5.20
